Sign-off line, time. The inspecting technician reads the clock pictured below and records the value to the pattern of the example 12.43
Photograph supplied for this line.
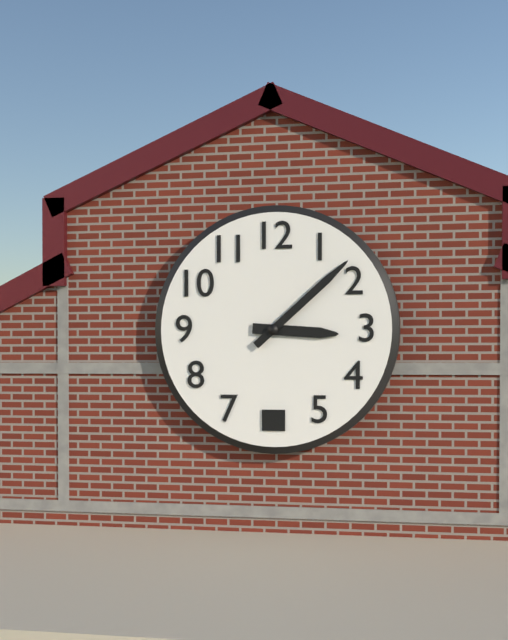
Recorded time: 3.08
